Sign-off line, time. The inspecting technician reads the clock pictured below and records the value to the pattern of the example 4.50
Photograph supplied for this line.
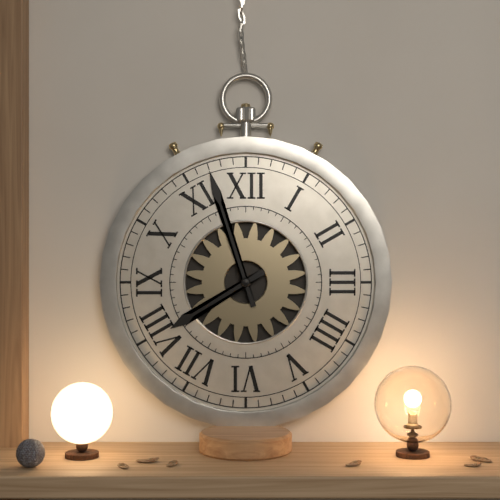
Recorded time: 7.57
